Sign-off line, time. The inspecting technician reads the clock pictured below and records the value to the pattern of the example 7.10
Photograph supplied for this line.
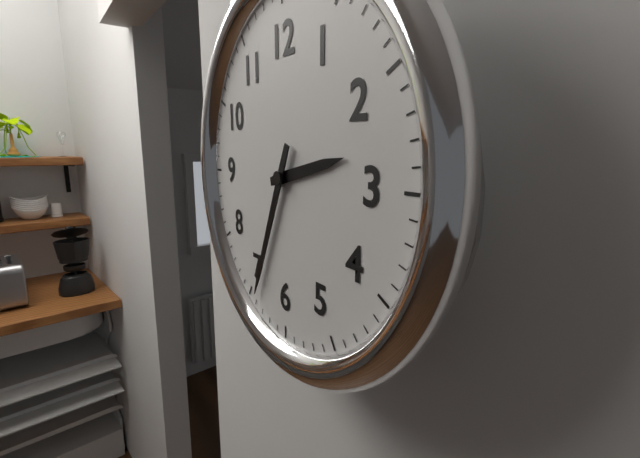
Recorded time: 2.34
